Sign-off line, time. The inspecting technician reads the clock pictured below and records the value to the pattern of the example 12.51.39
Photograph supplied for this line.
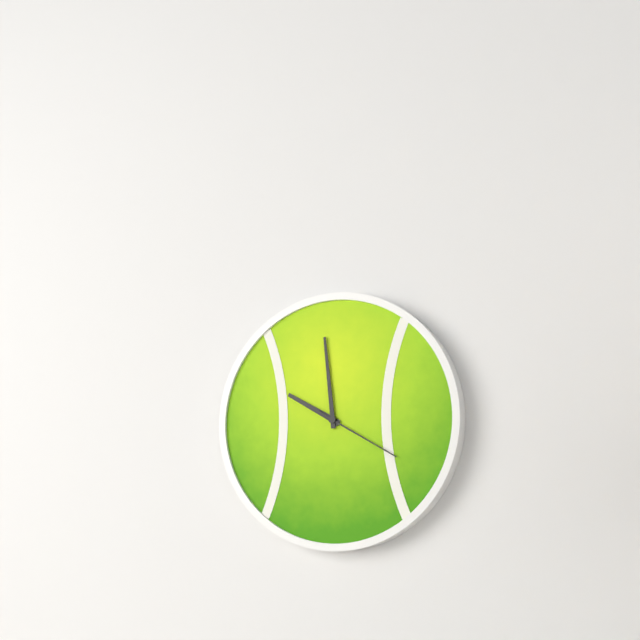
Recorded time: 9.59.20
